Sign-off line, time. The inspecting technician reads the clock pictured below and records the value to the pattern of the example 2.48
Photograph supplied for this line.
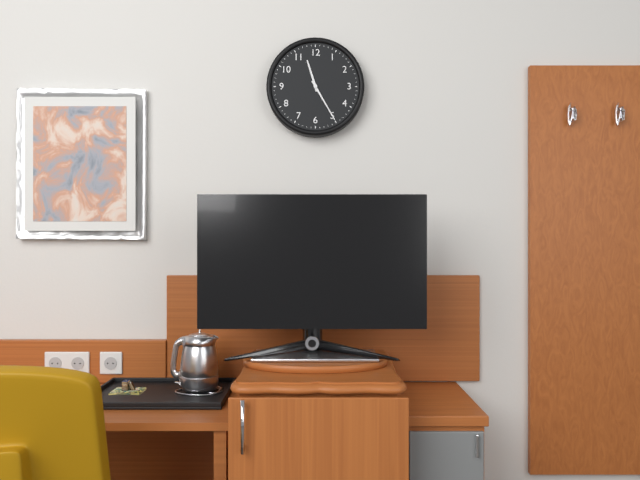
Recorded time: 11.25
